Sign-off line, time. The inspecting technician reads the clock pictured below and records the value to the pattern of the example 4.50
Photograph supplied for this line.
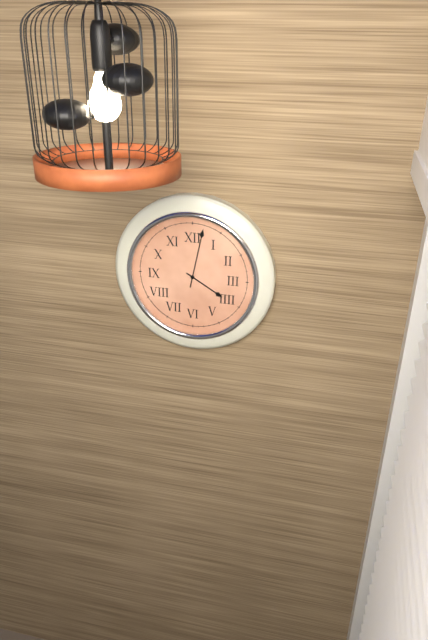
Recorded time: 4.02
